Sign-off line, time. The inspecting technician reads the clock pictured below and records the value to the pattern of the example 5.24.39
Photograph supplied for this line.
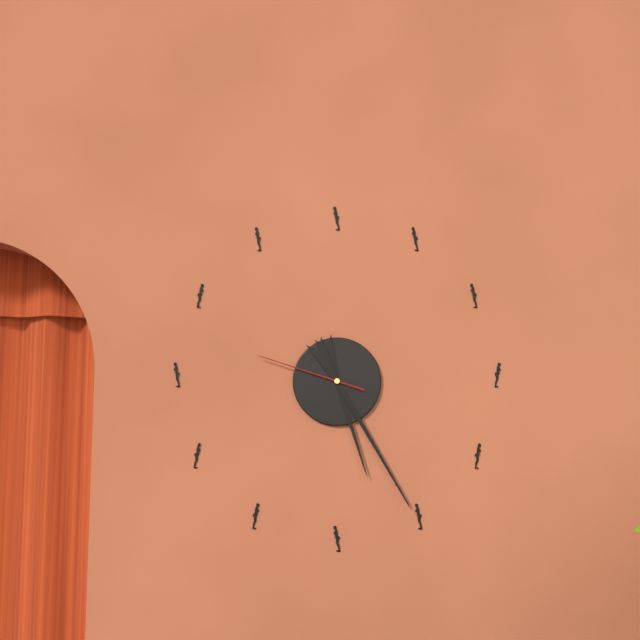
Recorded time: 5.25.48
